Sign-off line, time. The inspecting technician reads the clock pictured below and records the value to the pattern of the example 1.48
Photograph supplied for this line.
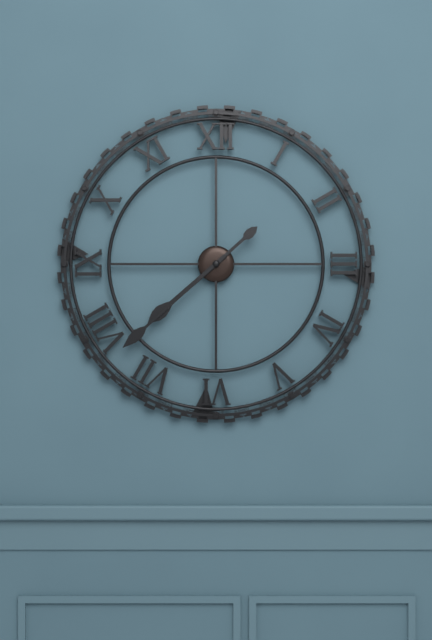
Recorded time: 7.38
